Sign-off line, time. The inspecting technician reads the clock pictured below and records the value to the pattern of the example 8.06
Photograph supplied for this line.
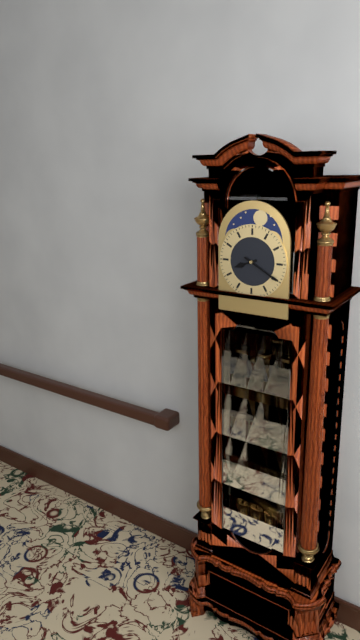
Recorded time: 8.20
